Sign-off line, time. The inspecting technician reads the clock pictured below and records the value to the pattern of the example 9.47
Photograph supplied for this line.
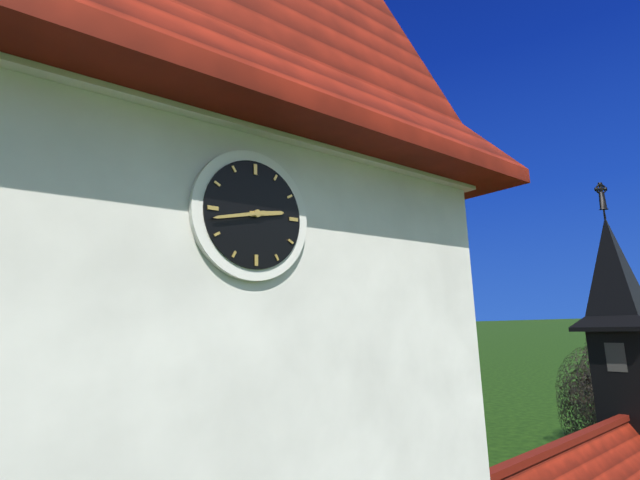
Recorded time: 2.43
